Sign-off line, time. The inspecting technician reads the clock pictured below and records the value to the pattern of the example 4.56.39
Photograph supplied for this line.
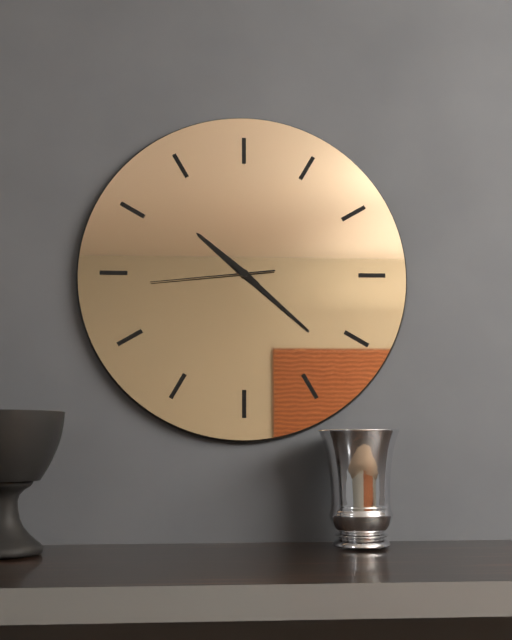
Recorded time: 10.22.44
